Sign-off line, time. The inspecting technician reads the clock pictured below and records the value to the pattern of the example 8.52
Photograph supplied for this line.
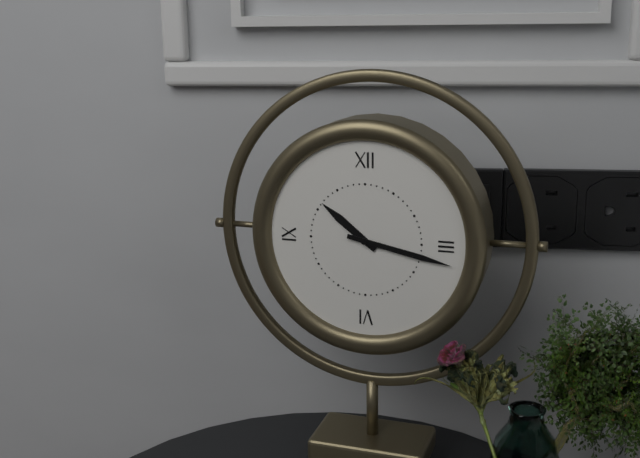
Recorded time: 10.17
